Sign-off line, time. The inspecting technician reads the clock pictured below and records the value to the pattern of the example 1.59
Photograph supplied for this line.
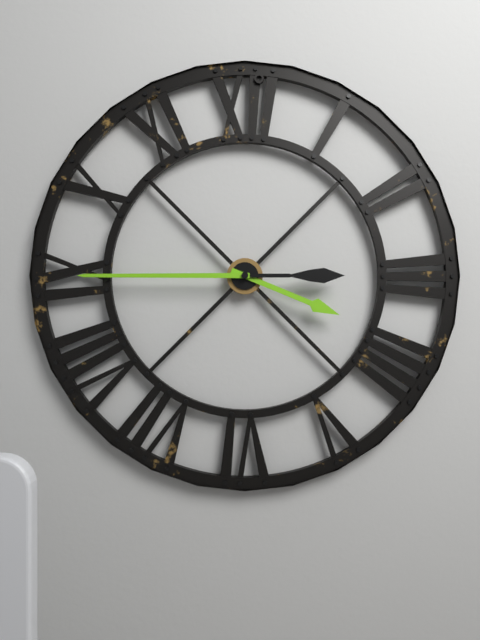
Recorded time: 3.45
